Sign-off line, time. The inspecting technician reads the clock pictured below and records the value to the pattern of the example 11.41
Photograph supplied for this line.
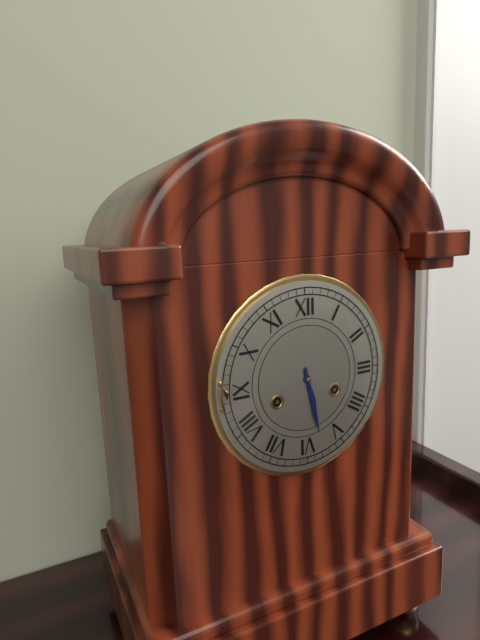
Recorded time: 5.28
